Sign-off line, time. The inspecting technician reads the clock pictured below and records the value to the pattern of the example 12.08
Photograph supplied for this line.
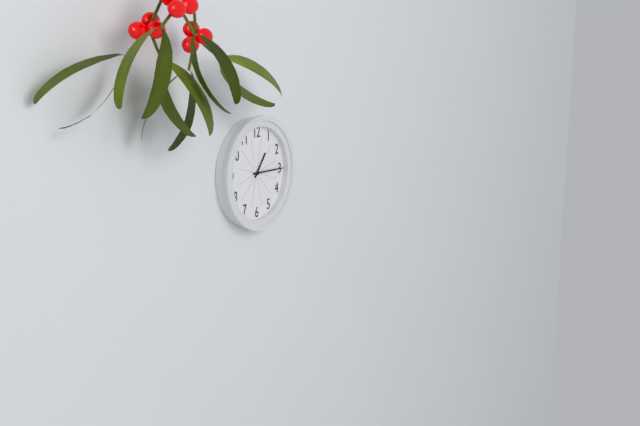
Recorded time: 1.15
